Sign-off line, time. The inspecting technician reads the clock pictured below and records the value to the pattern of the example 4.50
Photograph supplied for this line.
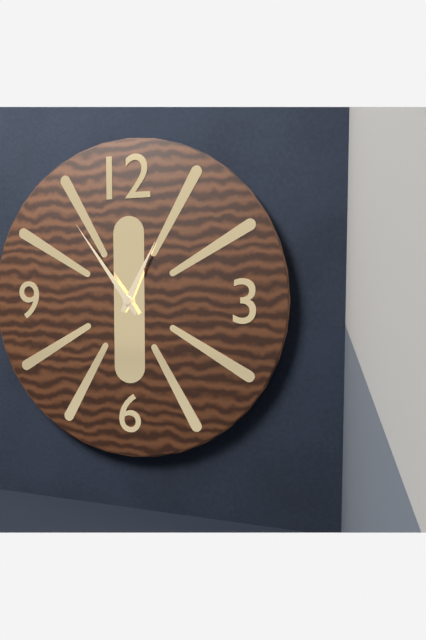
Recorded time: 12.54
